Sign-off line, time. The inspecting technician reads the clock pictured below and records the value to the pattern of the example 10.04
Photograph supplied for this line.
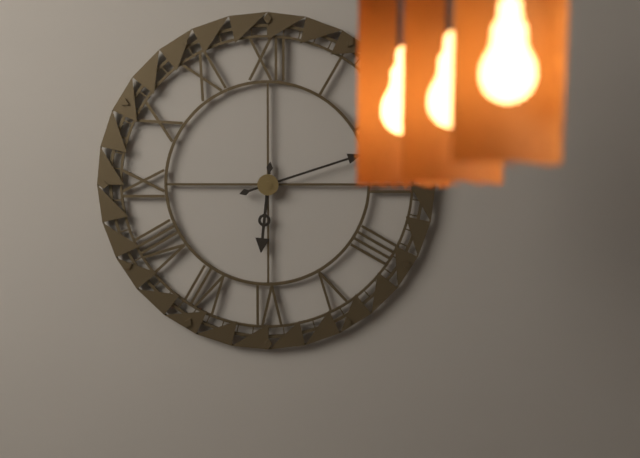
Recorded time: 6.12
